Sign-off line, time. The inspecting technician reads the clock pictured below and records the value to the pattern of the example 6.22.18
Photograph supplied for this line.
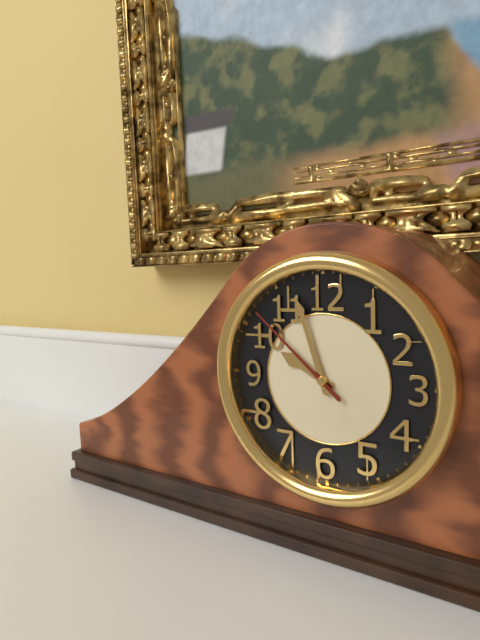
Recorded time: 9.57.52
